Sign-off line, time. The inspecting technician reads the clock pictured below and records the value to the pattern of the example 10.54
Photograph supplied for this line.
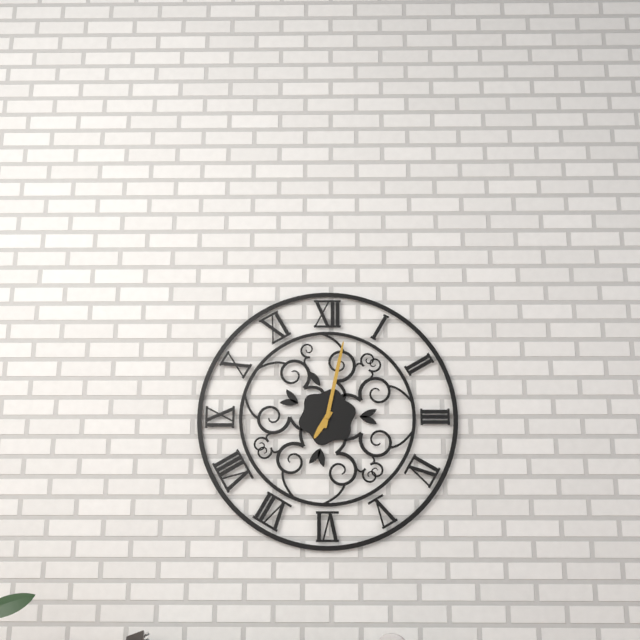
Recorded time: 7.02
